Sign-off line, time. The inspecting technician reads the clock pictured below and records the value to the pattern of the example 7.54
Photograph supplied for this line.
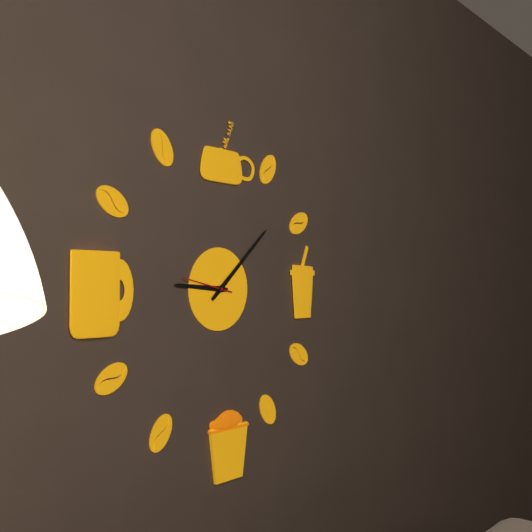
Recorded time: 9.08
